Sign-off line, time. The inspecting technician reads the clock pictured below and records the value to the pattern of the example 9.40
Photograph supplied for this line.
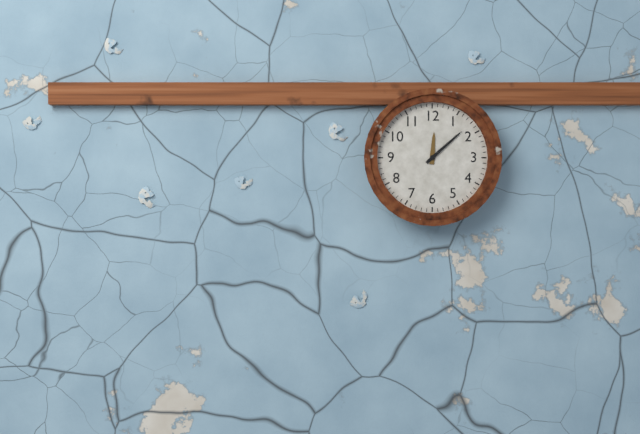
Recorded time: 12.08
